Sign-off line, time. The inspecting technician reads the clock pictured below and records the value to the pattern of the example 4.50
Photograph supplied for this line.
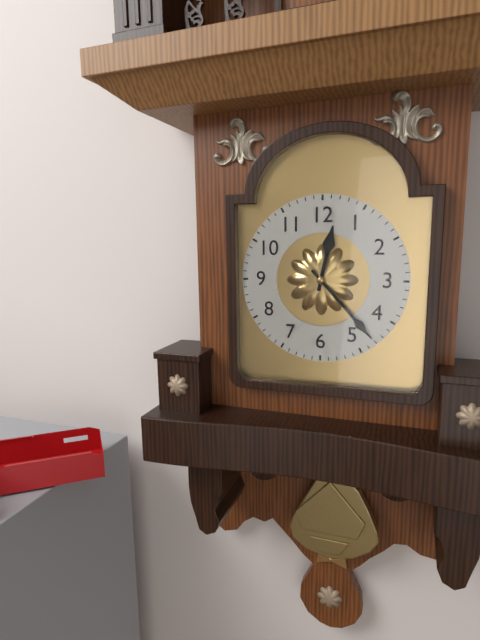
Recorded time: 12.23
